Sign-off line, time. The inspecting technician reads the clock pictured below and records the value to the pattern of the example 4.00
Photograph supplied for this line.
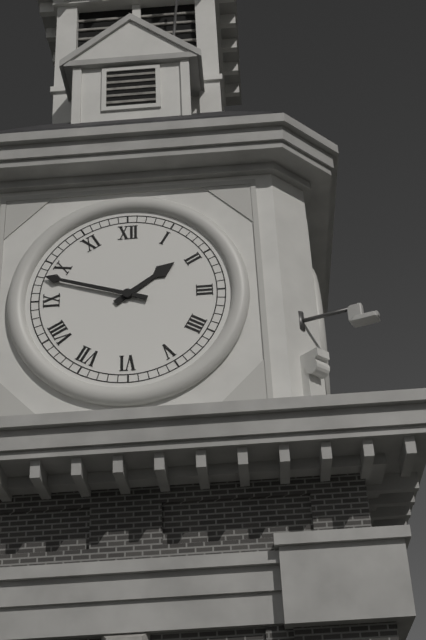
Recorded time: 1.48
